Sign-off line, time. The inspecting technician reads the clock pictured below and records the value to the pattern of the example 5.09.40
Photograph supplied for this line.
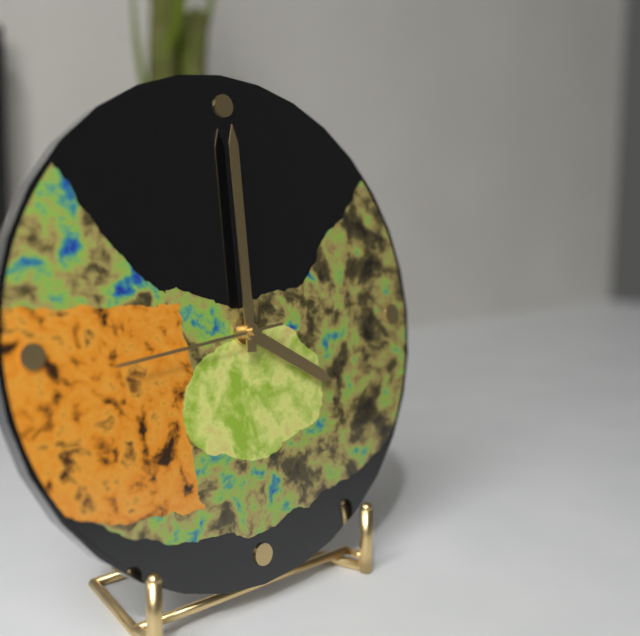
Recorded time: 4.00.44
